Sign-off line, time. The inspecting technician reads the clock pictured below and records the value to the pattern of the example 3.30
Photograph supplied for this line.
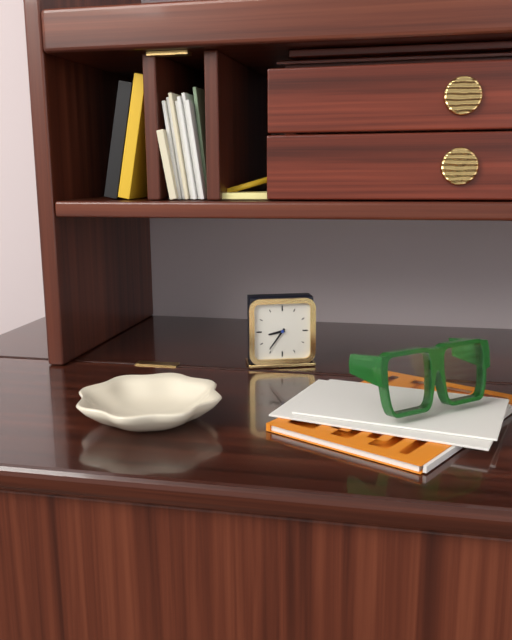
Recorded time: 8.36
